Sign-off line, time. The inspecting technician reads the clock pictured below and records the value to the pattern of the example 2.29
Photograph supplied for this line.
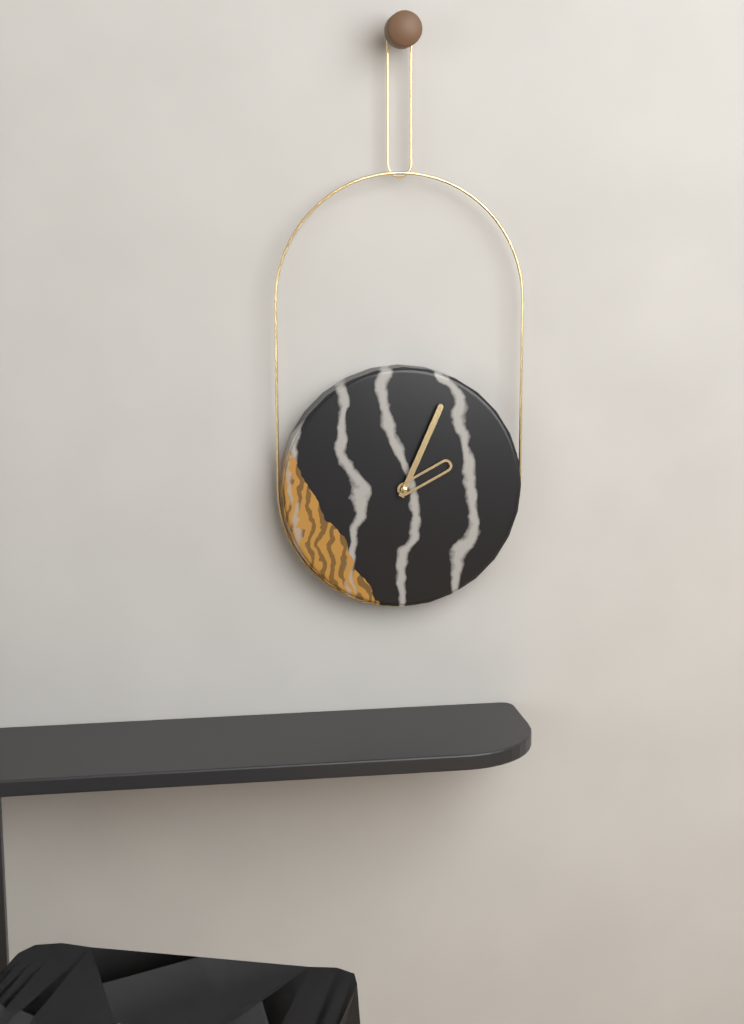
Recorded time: 2.04
